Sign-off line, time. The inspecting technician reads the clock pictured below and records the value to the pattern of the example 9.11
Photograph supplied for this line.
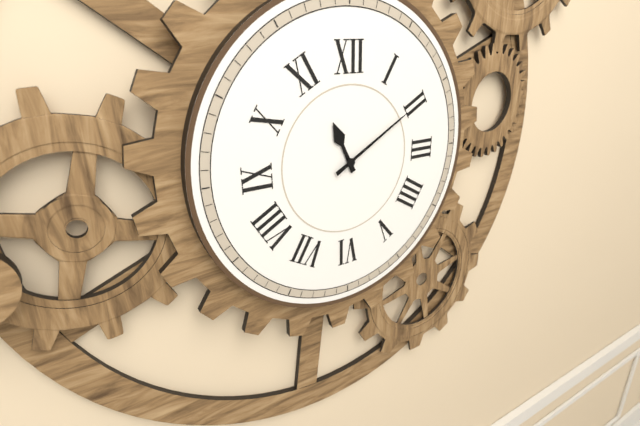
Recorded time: 11.10
